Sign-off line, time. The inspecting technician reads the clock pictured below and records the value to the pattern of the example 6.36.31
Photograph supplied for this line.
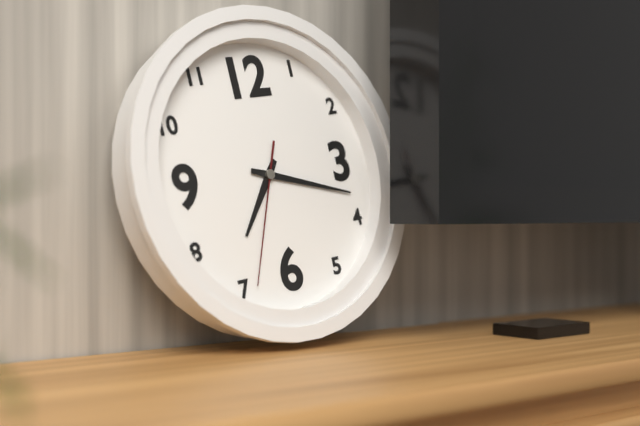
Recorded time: 7.18.34
